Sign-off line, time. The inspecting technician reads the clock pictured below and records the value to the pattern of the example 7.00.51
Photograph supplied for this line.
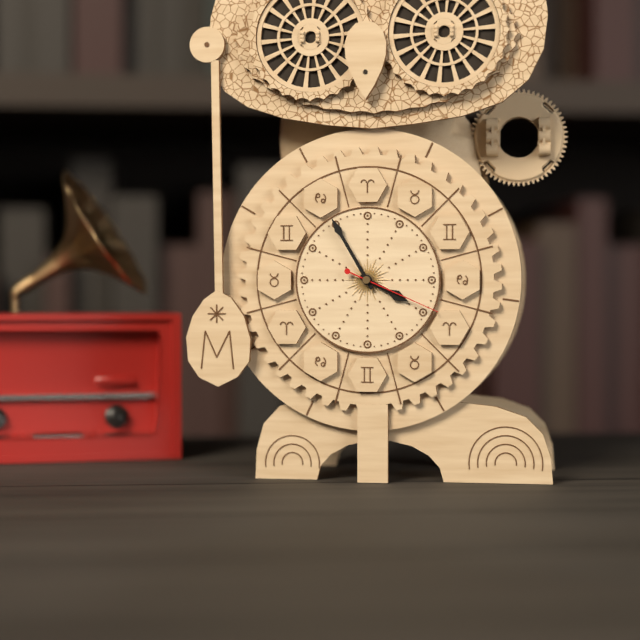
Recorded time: 3.55.19
